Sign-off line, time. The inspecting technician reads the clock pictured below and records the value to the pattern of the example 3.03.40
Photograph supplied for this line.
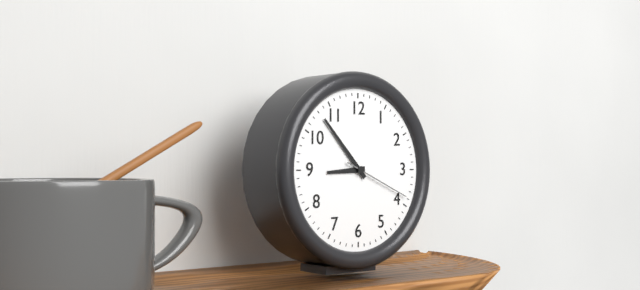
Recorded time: 8.53.19
